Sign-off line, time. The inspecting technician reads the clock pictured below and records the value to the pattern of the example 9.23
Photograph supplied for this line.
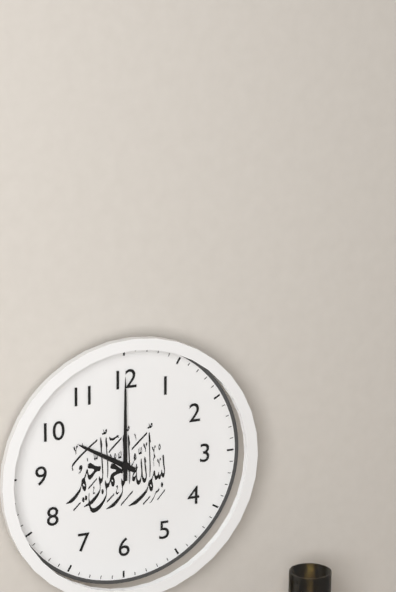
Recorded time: 10.00
